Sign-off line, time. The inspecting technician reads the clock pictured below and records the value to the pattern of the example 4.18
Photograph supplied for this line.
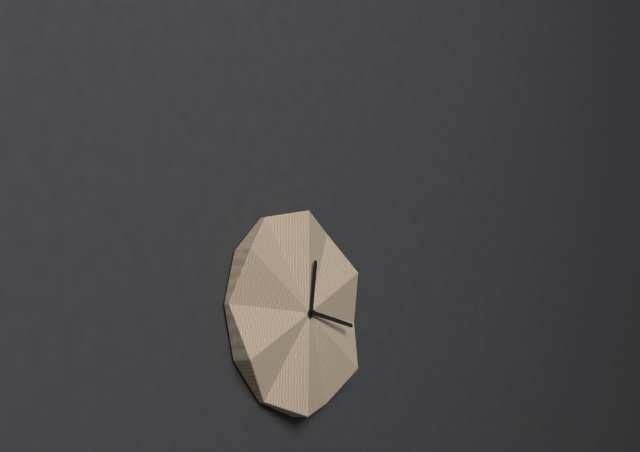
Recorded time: 12.16
